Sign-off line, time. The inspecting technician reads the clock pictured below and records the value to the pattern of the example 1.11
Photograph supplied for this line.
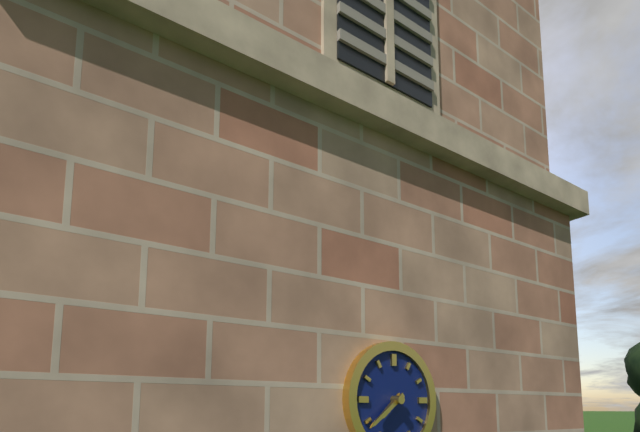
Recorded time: 7.39
